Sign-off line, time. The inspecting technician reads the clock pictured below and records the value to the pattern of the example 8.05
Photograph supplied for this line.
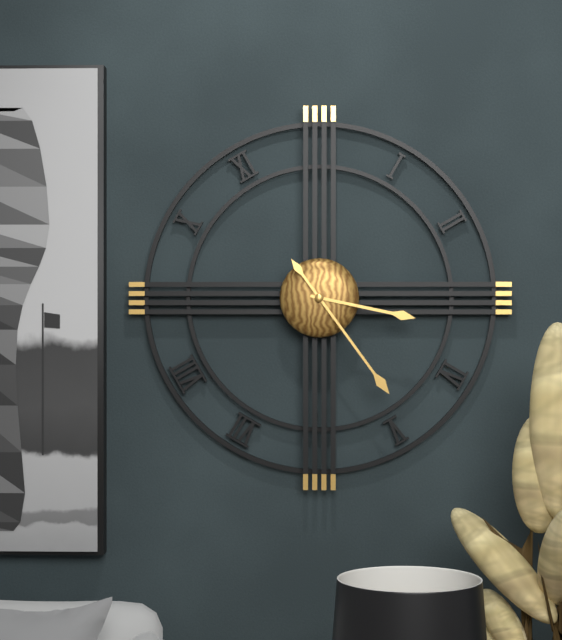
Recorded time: 3.24
